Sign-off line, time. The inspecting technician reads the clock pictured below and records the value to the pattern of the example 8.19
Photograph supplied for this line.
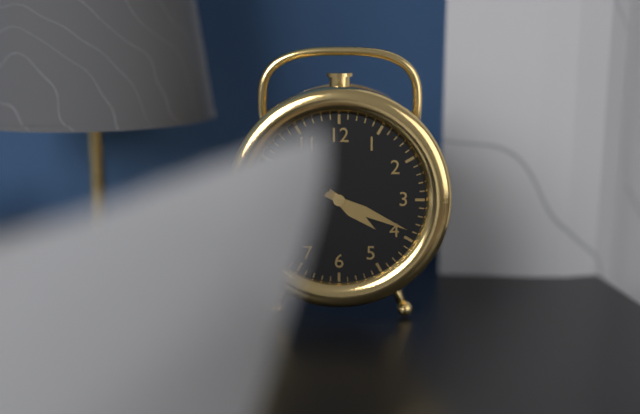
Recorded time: 4.19
